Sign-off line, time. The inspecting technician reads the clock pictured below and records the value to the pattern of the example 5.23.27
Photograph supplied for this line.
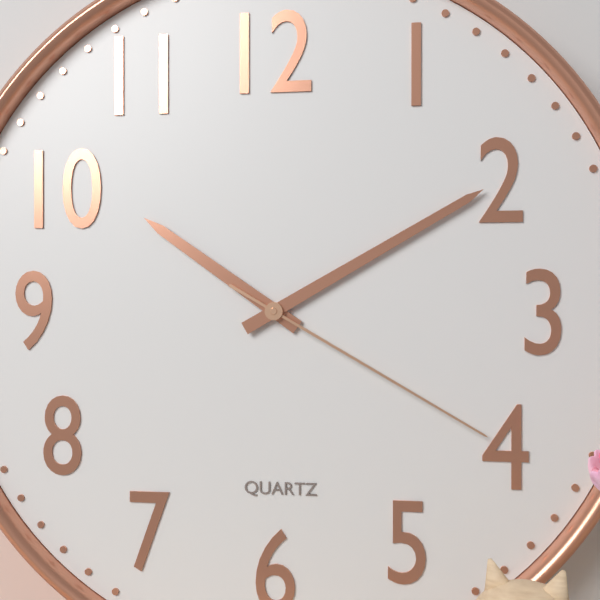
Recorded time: 10.10.20
